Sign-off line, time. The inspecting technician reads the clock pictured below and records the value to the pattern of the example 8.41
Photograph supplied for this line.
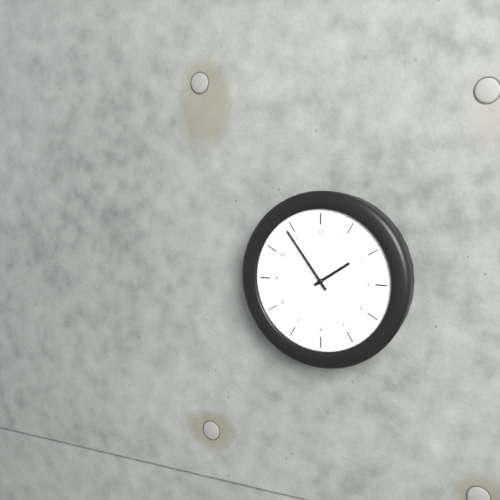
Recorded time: 1.54
